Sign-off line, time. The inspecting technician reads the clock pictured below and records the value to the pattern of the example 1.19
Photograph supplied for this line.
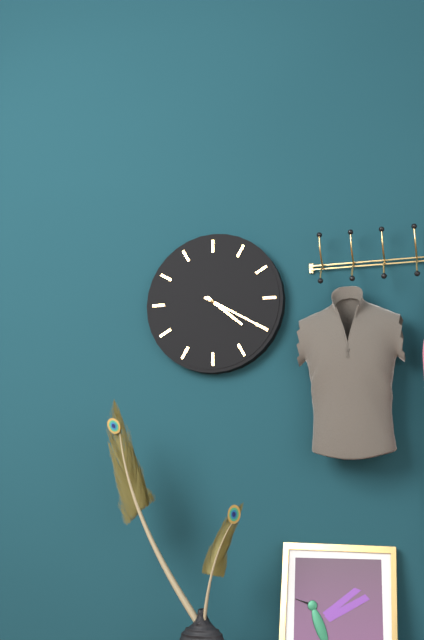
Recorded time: 4.20
